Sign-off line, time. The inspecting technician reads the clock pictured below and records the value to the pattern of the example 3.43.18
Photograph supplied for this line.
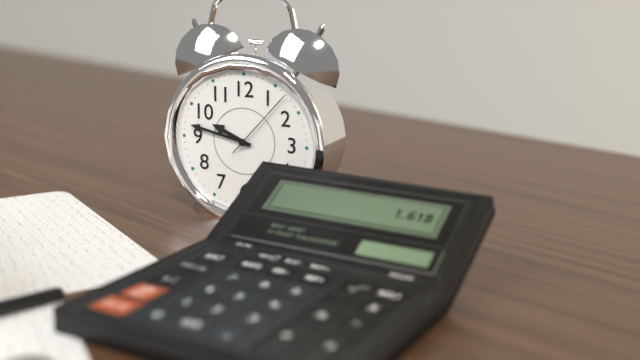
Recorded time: 9.47.07
